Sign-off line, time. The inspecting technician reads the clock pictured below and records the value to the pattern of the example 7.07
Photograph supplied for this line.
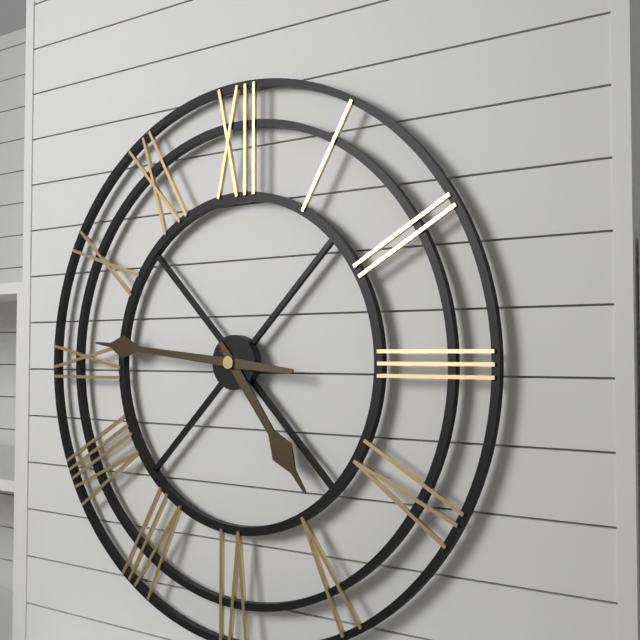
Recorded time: 4.46
